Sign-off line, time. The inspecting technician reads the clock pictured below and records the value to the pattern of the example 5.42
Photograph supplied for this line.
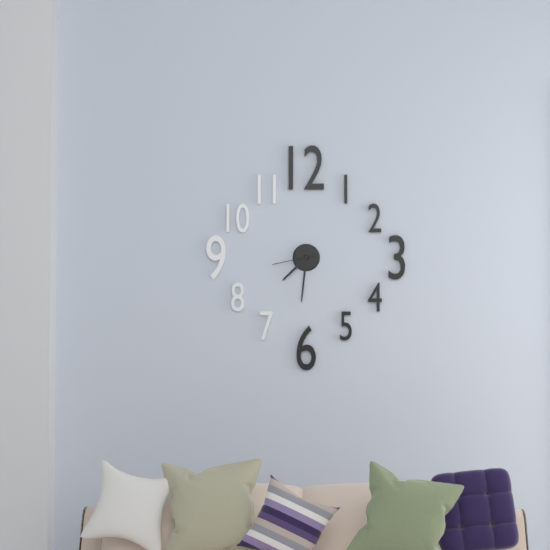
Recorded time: 7.31
